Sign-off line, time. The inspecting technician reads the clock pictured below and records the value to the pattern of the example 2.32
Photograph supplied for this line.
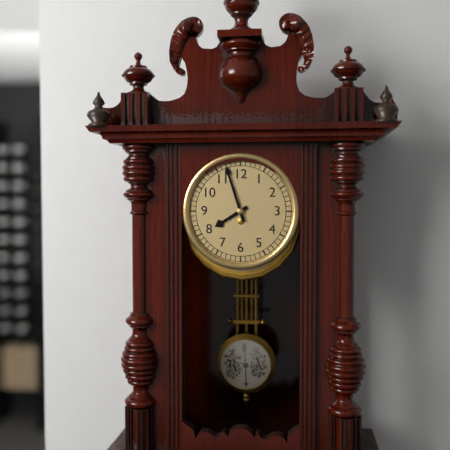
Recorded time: 7.57
